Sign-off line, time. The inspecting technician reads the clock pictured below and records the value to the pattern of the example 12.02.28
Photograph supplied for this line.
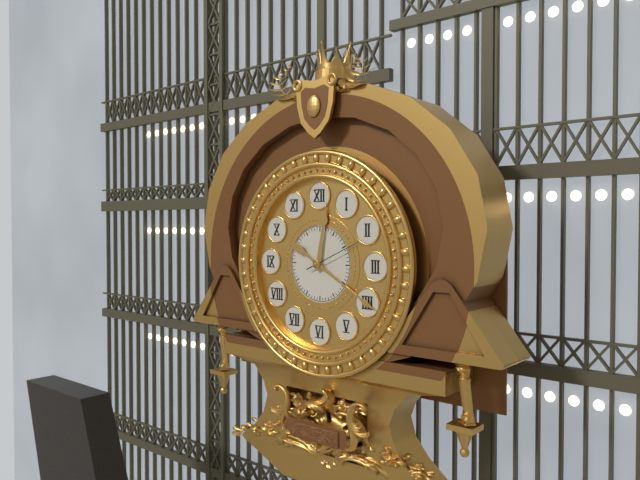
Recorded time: 12.20.11
